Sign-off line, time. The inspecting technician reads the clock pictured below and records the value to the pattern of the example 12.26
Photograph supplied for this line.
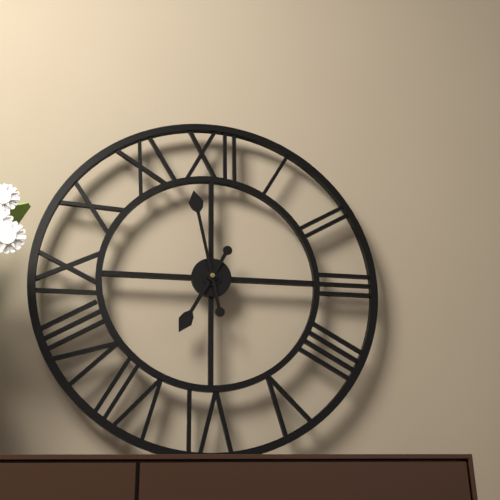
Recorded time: 6.58
